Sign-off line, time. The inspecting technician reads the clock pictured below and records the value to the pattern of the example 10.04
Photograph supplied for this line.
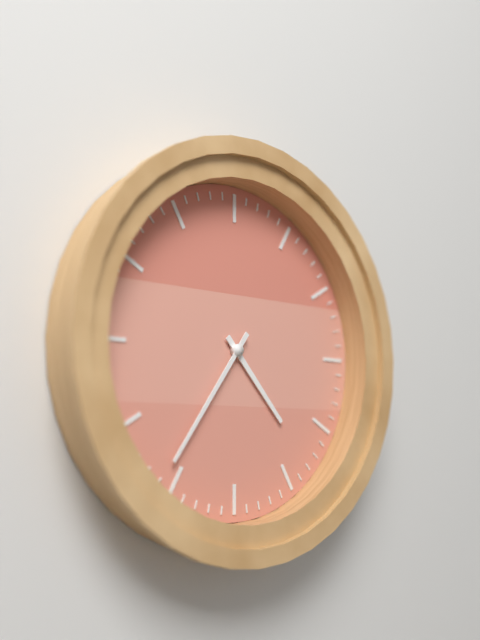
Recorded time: 4.36
